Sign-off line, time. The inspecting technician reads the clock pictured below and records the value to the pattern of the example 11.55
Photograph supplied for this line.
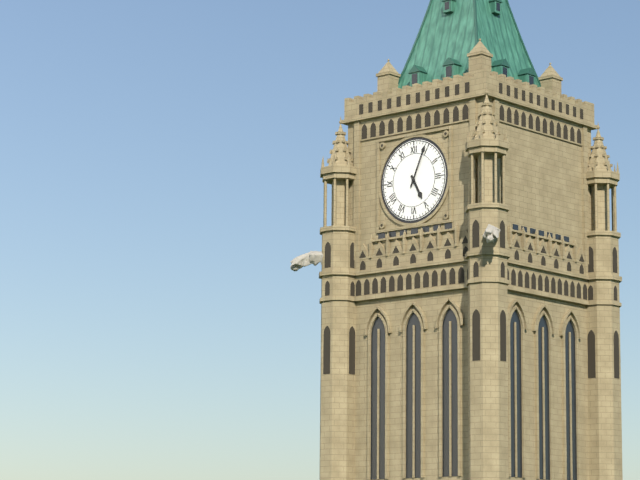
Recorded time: 5.04
